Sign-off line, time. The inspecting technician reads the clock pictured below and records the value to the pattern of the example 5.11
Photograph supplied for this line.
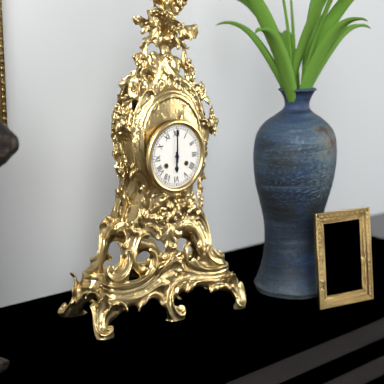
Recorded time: 6.00
